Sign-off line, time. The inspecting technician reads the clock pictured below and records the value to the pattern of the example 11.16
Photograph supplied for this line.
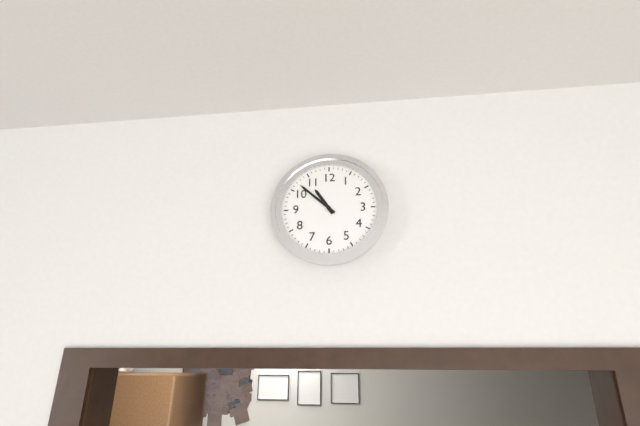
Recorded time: 10.52
